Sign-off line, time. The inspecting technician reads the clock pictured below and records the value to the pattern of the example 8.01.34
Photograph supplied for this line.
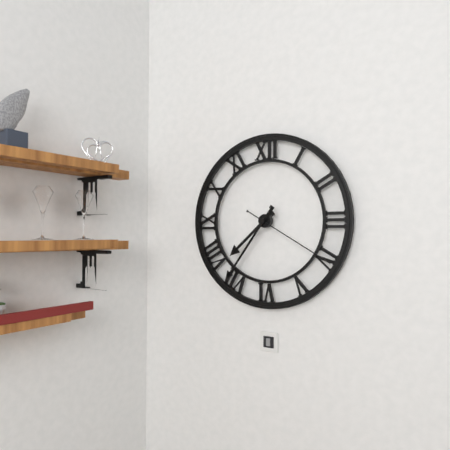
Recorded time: 7.36.20
